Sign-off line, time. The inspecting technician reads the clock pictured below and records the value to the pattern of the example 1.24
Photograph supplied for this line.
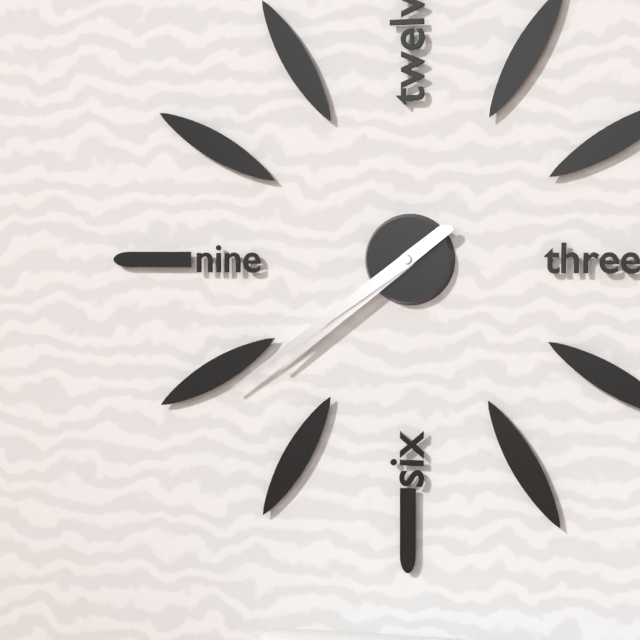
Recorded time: 7.39
